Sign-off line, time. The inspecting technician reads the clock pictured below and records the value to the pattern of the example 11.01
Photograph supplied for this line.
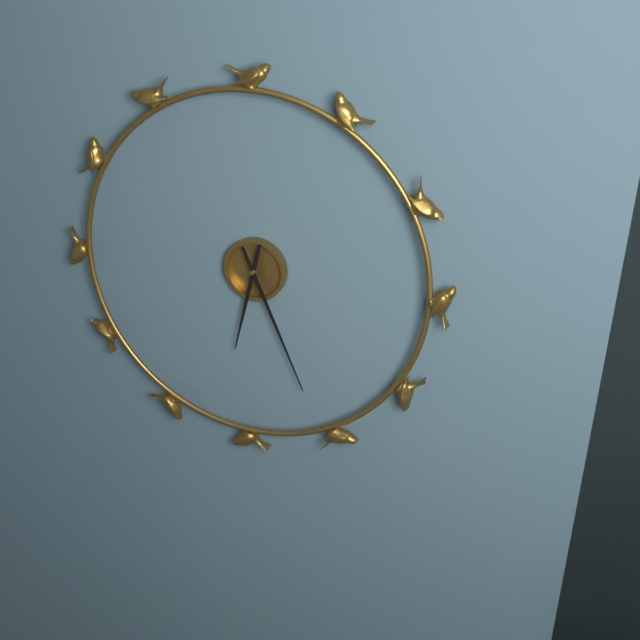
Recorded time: 6.26
